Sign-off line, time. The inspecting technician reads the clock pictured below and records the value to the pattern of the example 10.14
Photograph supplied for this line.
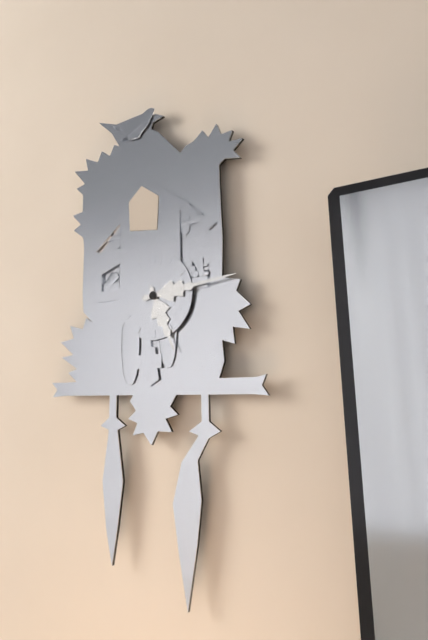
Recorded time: 5.14
